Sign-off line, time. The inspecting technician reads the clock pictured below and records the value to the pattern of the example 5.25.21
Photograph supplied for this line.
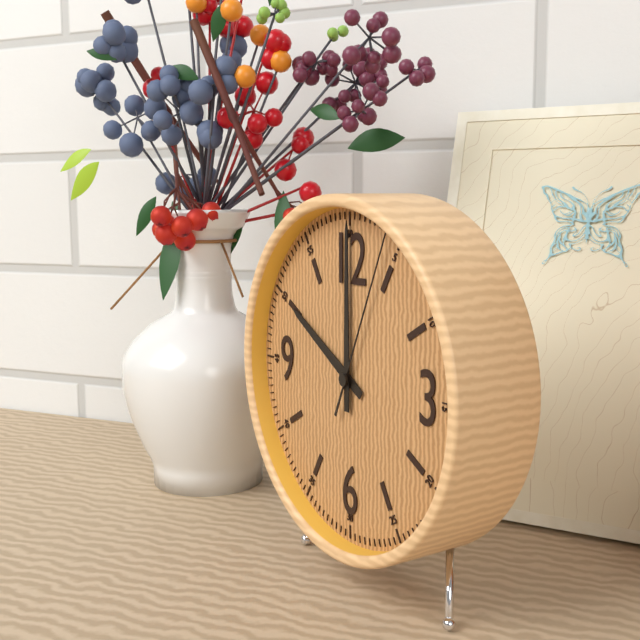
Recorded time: 10.00.04
